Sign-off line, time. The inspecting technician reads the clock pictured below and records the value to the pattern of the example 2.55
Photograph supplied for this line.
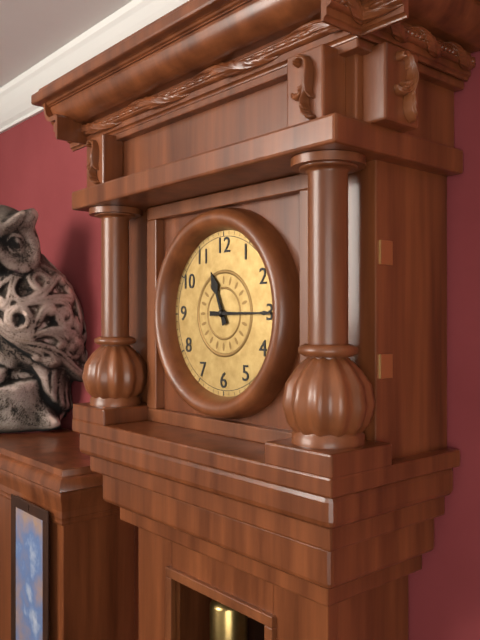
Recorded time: 11.15
